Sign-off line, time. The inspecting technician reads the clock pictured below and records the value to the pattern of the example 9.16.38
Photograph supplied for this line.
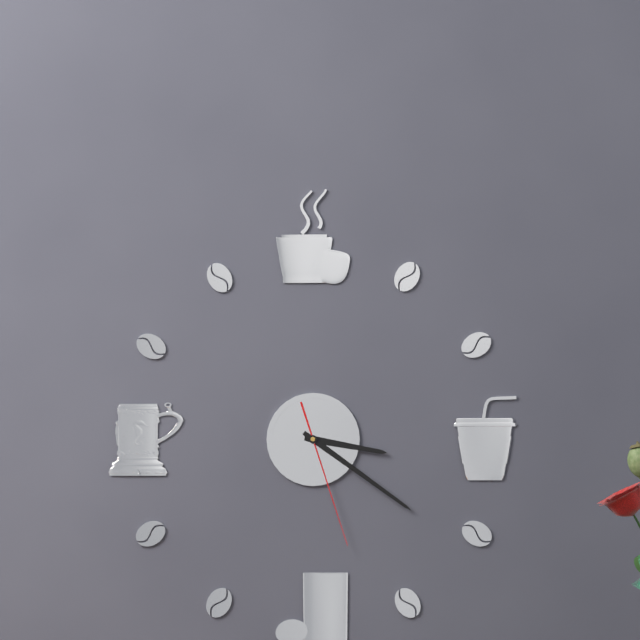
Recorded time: 3.21.27
